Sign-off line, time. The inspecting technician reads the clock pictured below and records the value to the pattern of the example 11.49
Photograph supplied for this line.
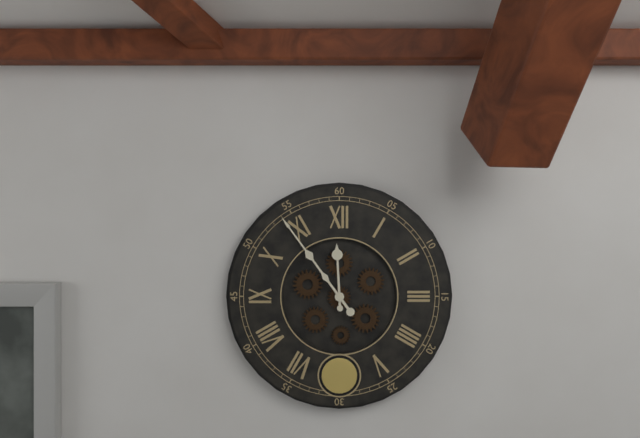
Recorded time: 11.54
